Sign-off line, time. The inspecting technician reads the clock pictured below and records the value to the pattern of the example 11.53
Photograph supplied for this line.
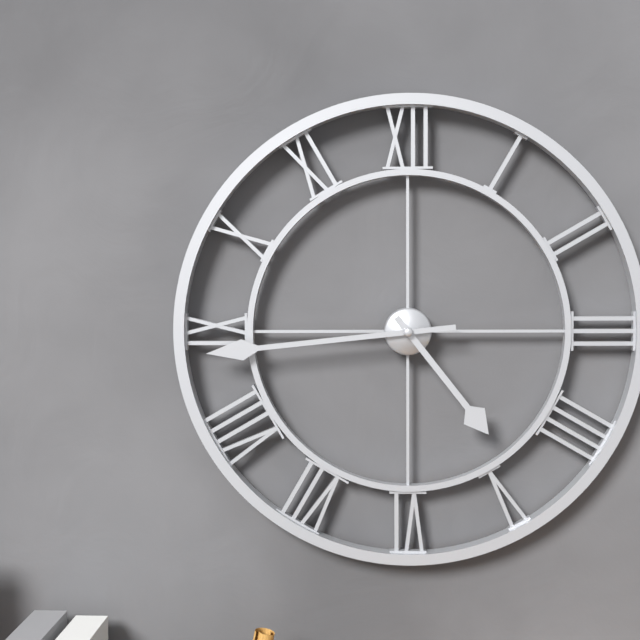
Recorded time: 4.44
